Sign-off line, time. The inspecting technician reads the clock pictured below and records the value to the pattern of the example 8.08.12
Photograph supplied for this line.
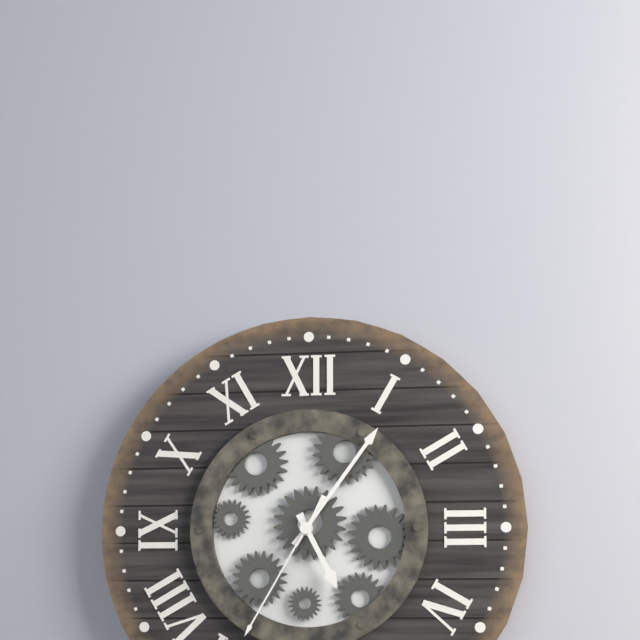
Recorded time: 5.06.35
